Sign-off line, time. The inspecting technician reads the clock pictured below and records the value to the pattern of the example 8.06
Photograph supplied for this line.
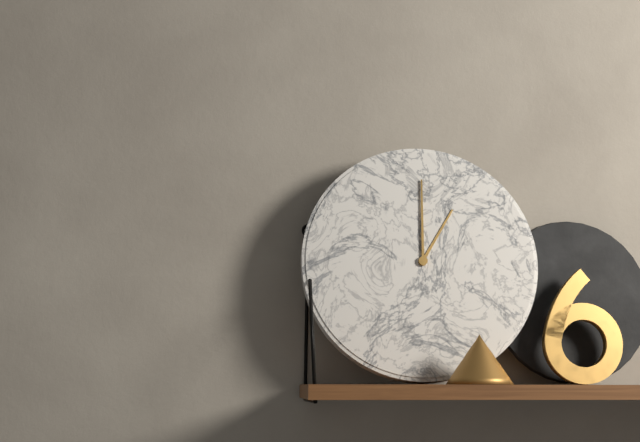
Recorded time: 1.00
